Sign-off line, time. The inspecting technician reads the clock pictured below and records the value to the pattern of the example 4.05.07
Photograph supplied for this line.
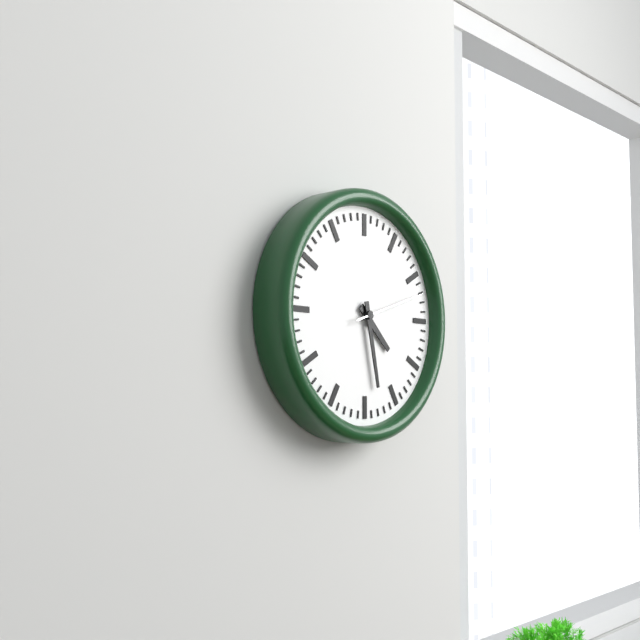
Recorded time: 4.28.12
